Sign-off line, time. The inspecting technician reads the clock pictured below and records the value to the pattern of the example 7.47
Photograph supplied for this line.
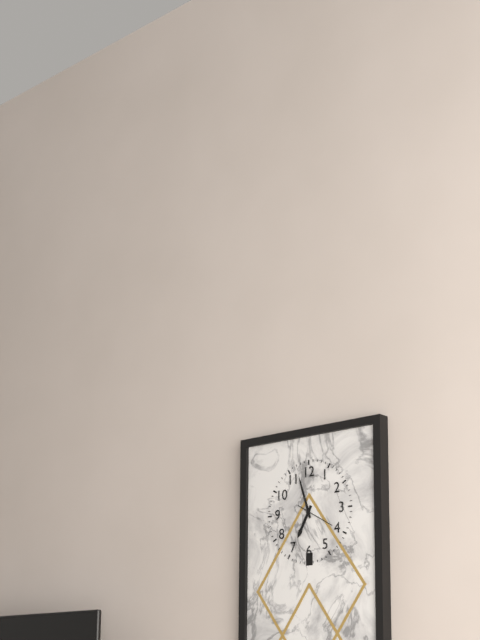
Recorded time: 6.57
